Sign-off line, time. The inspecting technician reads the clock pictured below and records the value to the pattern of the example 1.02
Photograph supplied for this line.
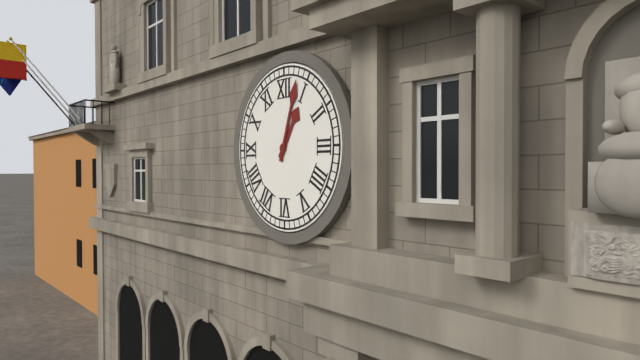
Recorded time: 1.03
